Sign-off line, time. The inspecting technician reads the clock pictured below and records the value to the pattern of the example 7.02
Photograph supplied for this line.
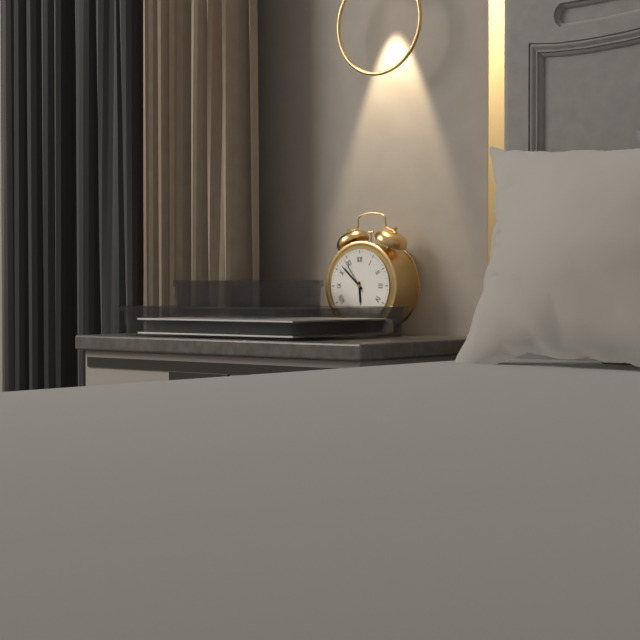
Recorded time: 5.52
